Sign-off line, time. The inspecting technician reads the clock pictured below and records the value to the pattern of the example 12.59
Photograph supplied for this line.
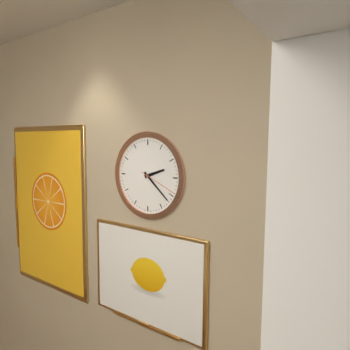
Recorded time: 2.22
